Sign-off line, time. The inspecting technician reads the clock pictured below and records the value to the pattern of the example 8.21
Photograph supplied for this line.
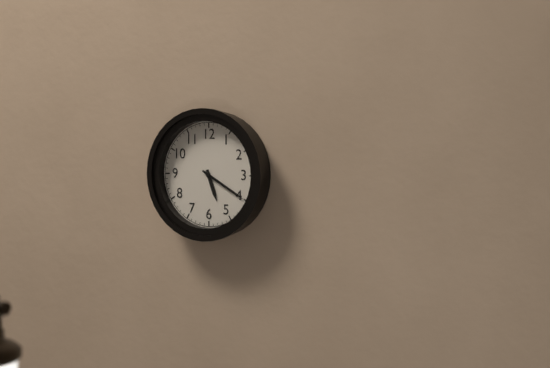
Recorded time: 5.20
